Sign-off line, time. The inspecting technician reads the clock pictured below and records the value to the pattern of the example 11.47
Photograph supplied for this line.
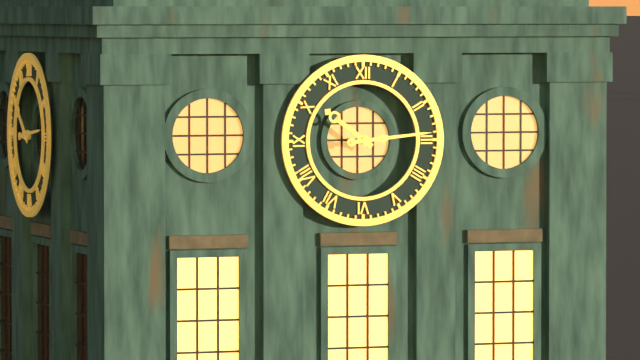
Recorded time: 10.14
